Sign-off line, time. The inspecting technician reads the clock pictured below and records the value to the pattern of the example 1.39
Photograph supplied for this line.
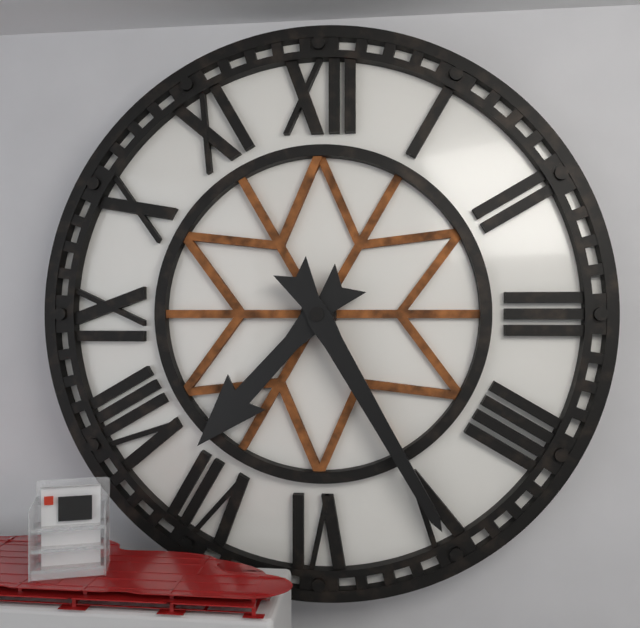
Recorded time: 7.25
